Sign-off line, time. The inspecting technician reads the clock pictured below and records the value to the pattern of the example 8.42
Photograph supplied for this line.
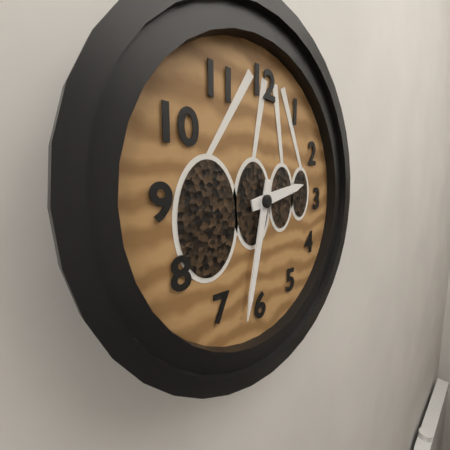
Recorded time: 2.32
